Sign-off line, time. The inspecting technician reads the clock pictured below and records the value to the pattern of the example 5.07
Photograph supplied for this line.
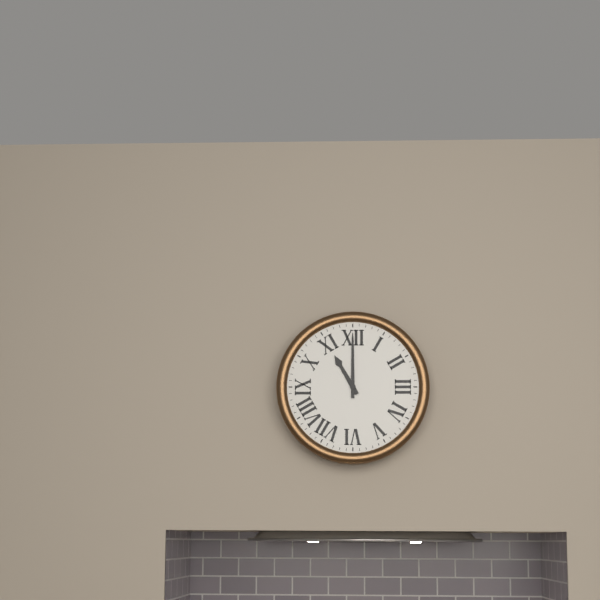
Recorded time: 11.00
